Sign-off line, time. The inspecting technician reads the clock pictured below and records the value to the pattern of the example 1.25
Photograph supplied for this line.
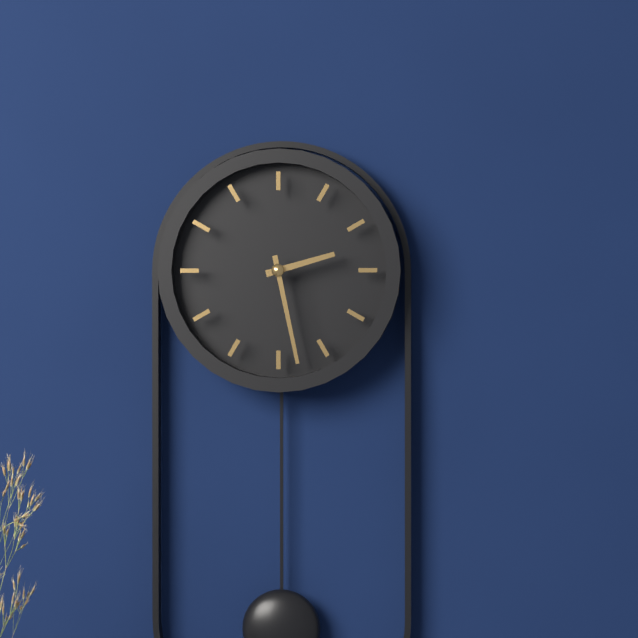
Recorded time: 2.28
